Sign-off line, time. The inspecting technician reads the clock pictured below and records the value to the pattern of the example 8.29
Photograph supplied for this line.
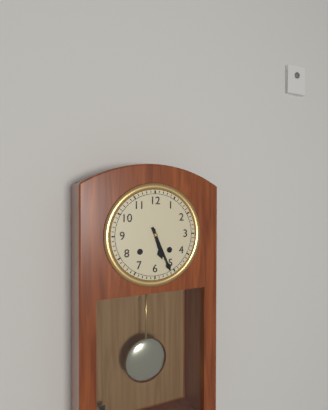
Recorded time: 5.26
